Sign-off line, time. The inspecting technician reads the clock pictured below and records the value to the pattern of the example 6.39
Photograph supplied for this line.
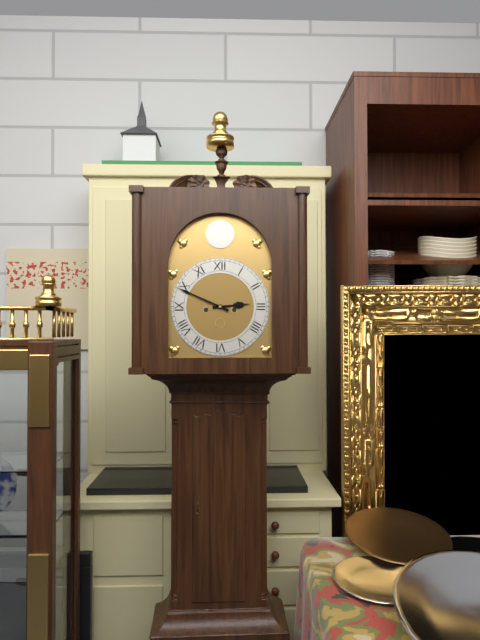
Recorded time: 2.49
